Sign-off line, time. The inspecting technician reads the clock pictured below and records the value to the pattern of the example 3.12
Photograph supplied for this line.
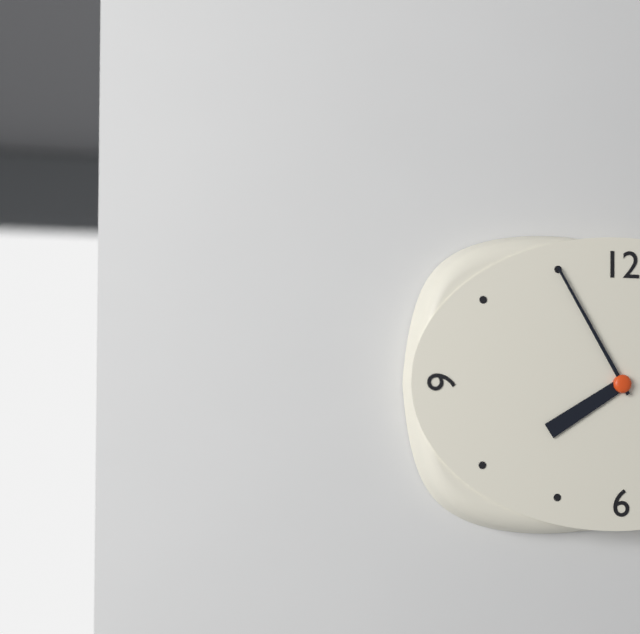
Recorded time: 7.55
